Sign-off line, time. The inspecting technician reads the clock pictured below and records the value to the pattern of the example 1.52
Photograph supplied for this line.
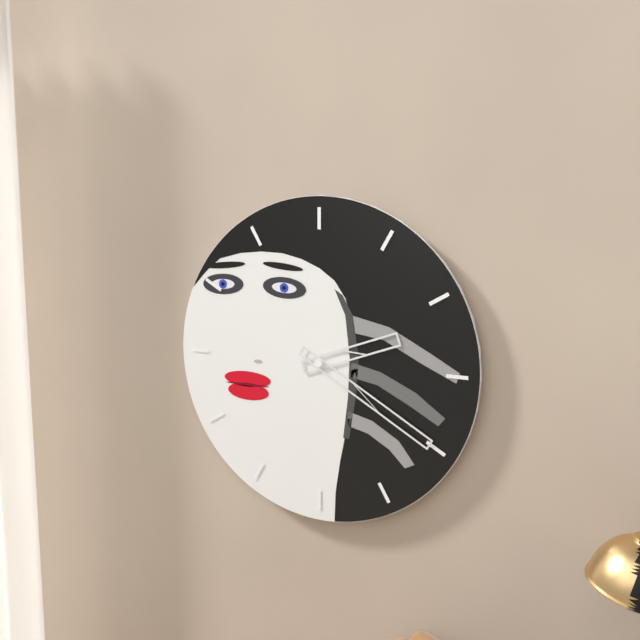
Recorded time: 2.20
